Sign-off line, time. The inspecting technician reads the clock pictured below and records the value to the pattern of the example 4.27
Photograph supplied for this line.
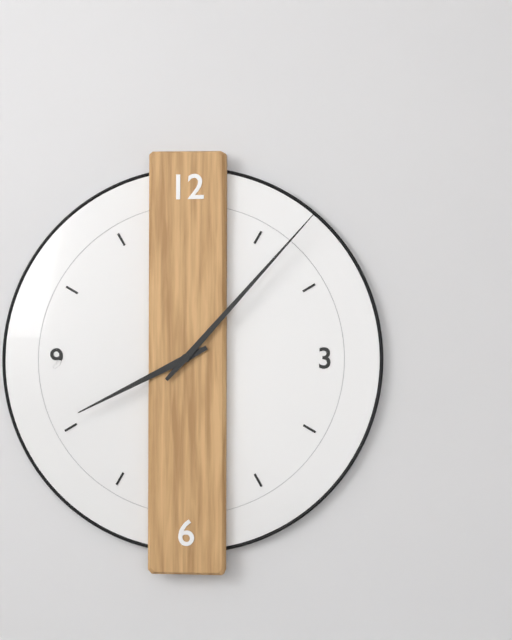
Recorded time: 8.07
